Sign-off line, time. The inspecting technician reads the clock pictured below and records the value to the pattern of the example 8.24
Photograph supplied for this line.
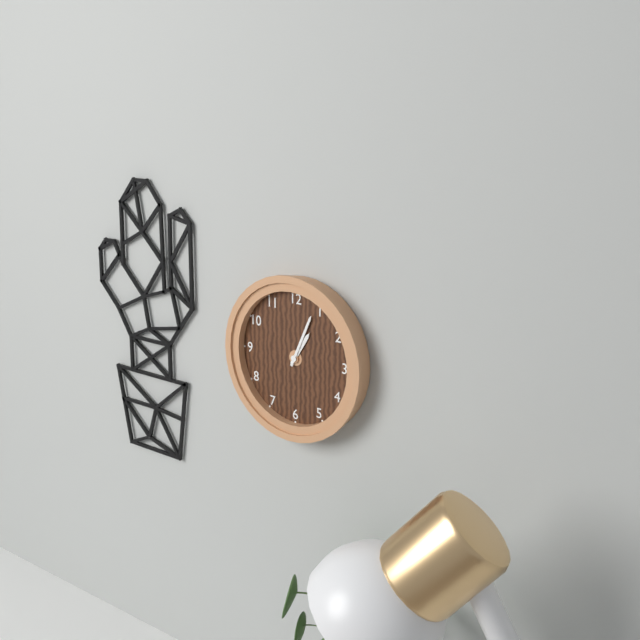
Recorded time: 1.04
